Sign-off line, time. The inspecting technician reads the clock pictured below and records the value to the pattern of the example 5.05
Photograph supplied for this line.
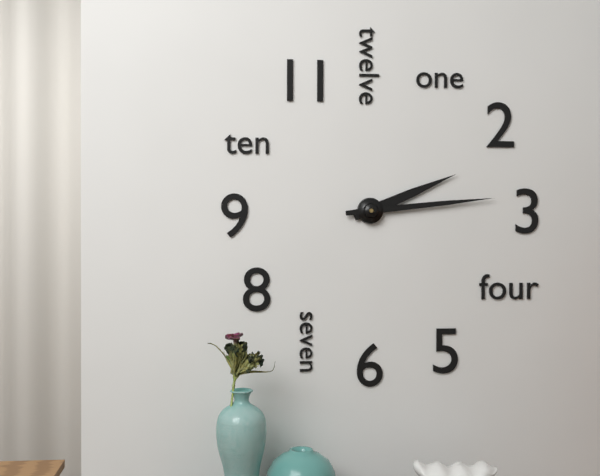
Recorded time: 2.14
